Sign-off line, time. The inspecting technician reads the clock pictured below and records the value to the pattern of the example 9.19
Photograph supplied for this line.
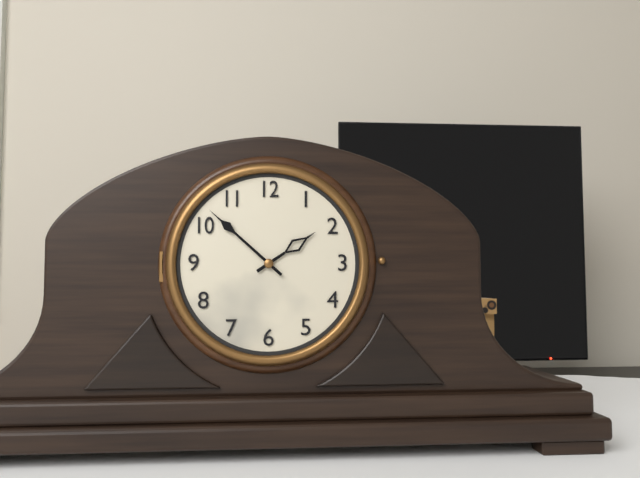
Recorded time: 1.52
